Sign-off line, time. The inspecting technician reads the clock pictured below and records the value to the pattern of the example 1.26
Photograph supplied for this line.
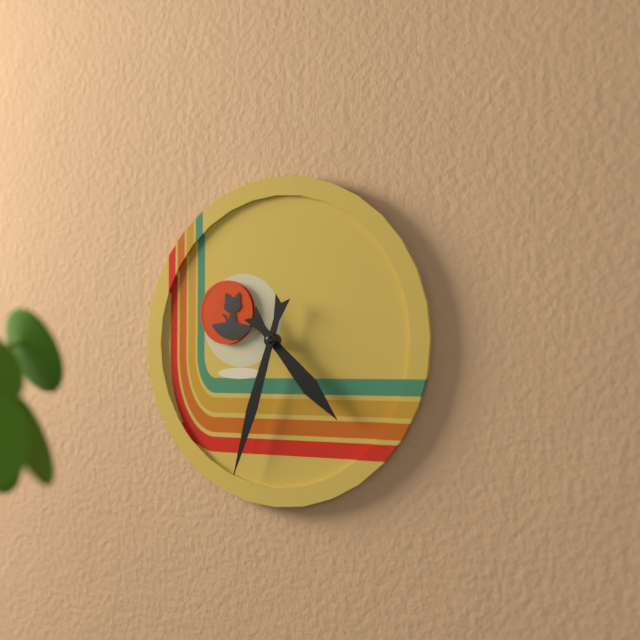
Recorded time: 4.33
